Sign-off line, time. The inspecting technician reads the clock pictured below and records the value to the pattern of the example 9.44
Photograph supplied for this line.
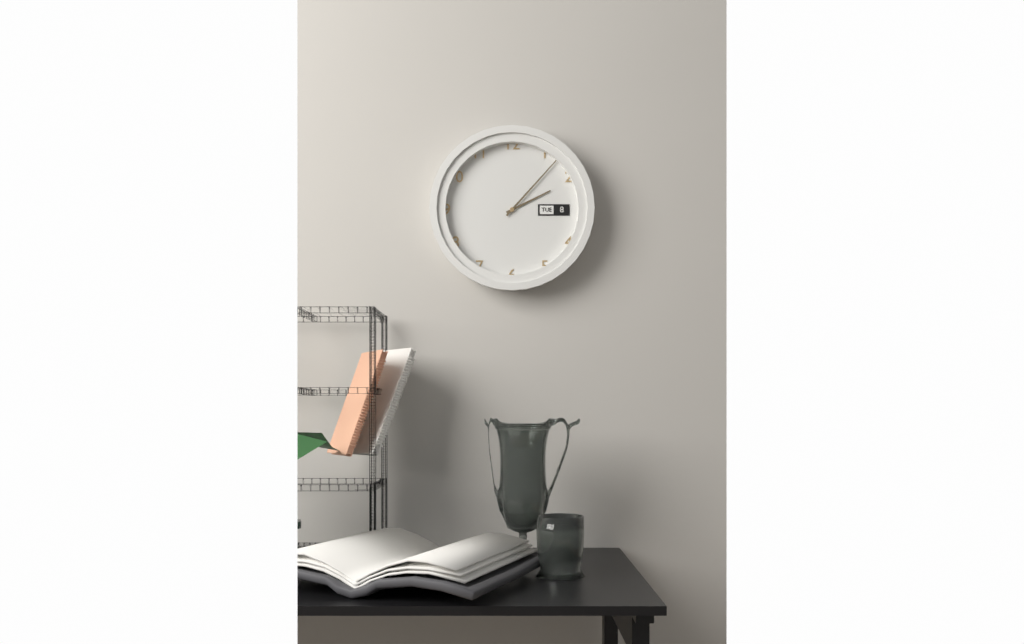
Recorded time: 2.07
